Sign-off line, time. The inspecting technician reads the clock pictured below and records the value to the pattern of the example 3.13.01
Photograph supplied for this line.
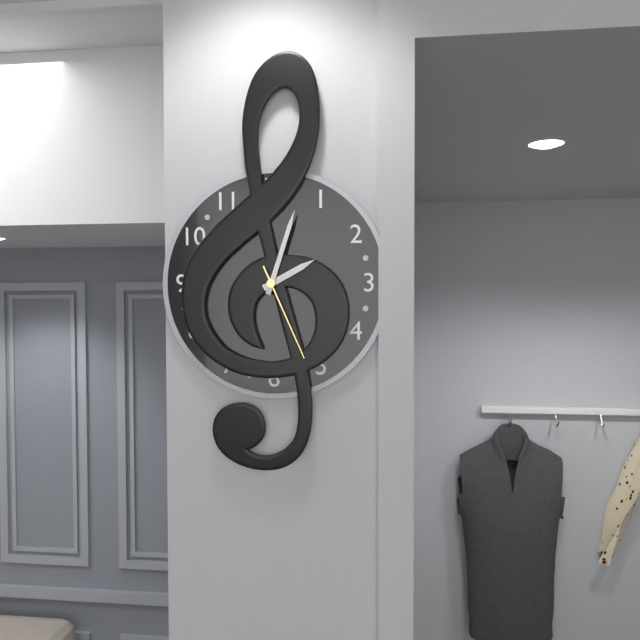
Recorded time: 2.03.26
